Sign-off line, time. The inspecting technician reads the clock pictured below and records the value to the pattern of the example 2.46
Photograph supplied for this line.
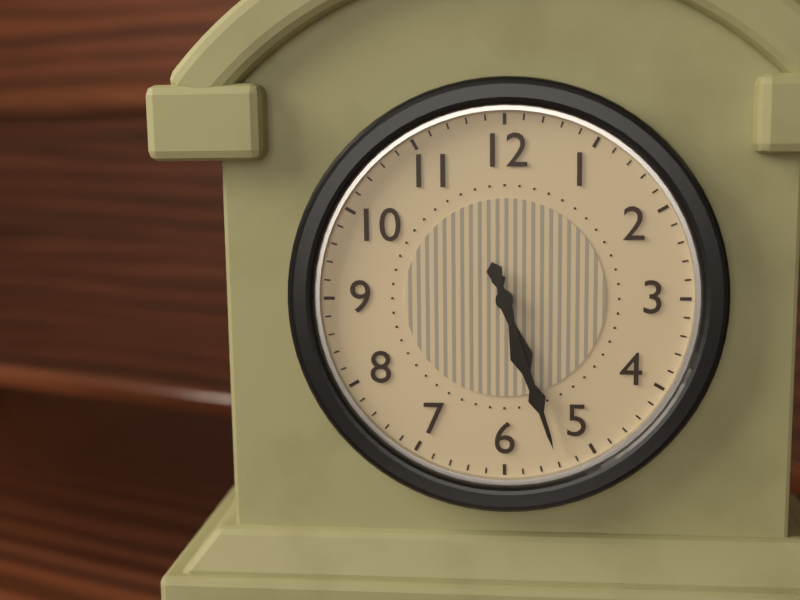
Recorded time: 5.27
